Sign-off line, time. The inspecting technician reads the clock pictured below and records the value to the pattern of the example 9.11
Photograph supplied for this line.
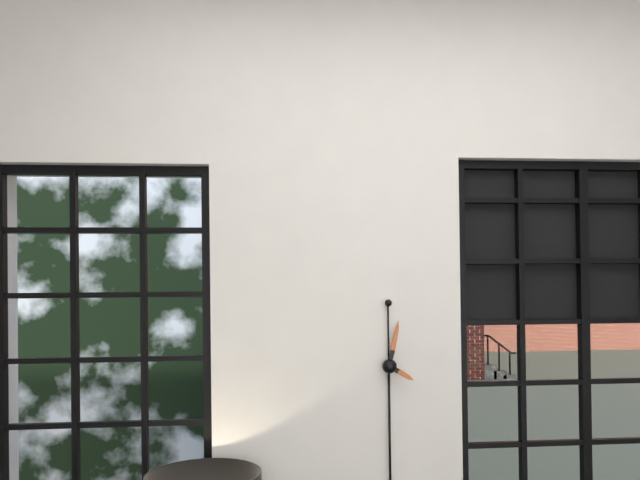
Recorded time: 4.02
